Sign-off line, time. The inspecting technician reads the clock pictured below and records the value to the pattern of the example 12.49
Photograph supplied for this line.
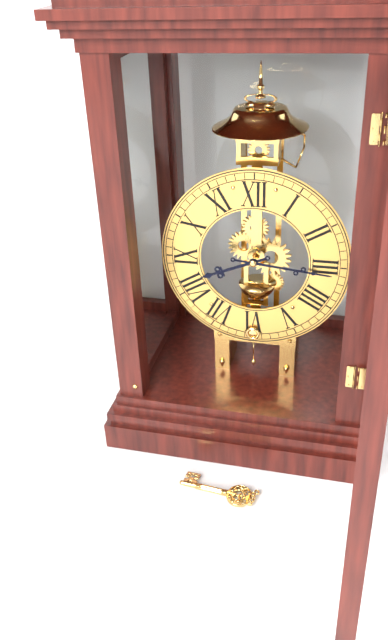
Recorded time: 8.16
